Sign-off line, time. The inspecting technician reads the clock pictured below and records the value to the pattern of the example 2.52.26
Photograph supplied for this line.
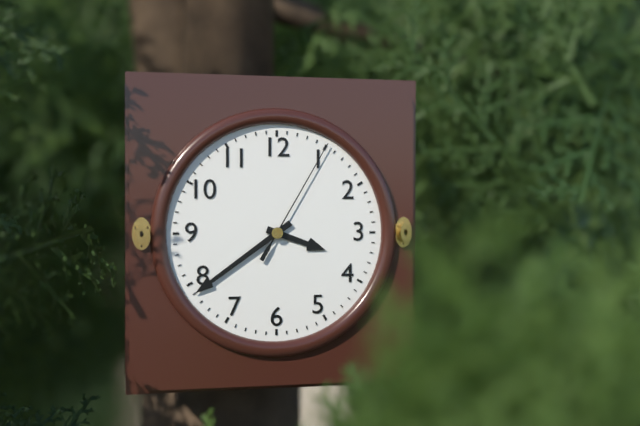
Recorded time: 3.39.05
